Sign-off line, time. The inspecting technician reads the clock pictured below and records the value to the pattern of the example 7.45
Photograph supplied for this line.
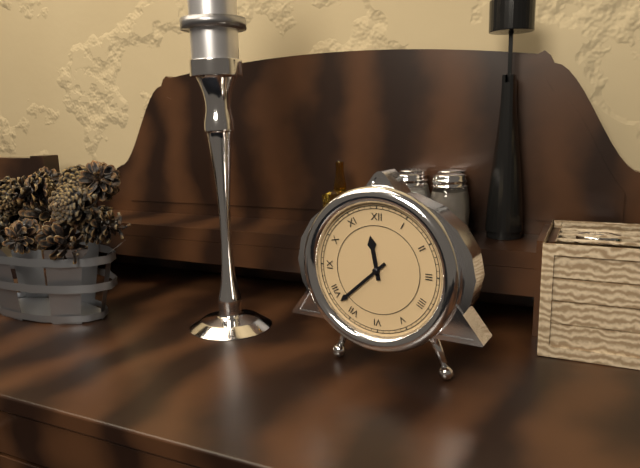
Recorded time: 11.38
